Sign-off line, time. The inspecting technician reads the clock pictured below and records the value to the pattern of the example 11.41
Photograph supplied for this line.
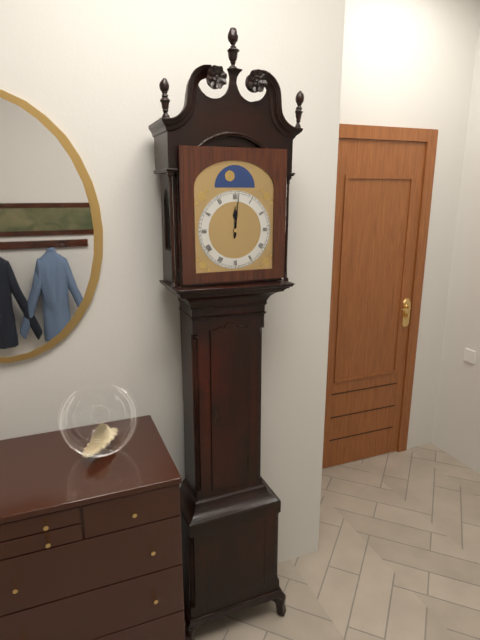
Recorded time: 12.01
